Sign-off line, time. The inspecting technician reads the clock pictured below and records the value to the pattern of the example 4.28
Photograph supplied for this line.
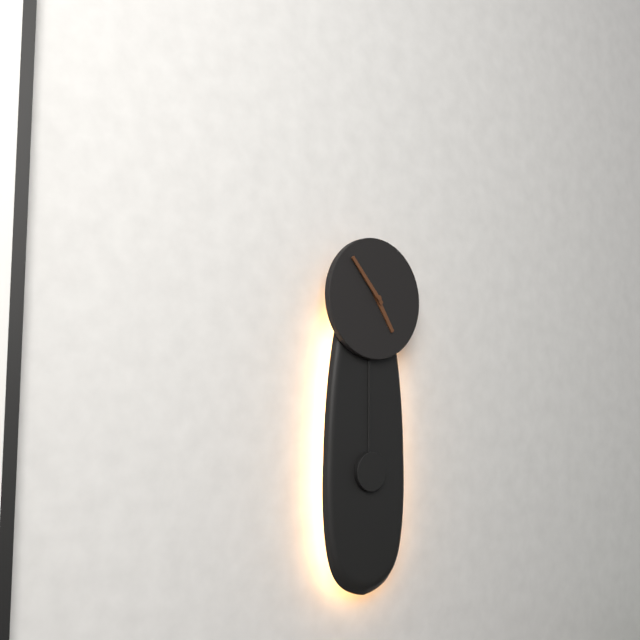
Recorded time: 4.53
